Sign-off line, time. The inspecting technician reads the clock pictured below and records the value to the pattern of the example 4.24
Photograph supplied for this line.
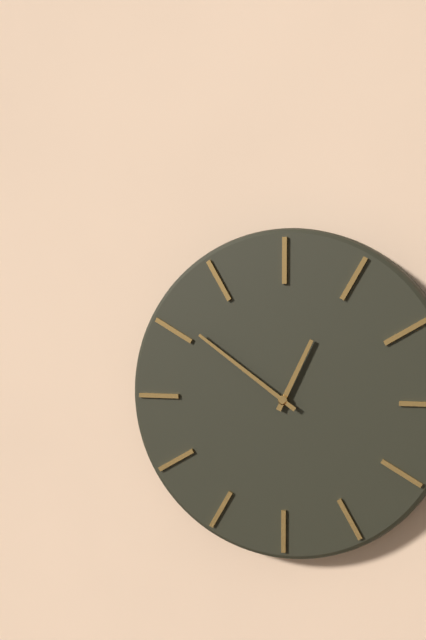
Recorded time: 12.51
